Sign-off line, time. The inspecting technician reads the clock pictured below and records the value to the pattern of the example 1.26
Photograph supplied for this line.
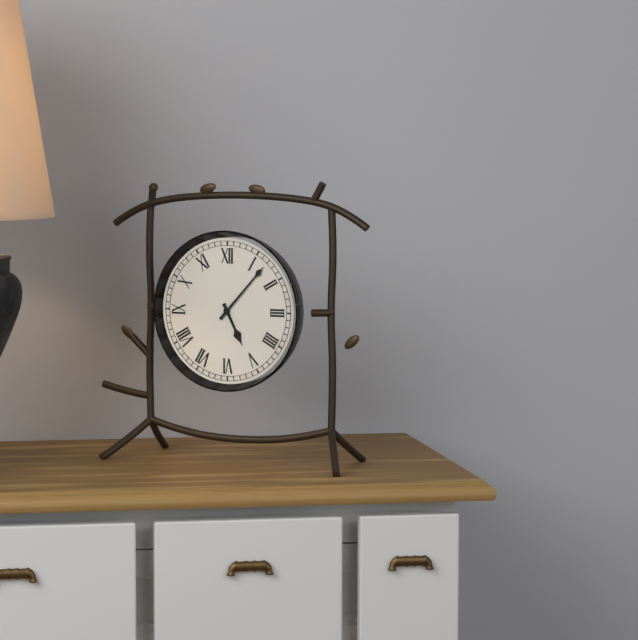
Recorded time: 5.07
